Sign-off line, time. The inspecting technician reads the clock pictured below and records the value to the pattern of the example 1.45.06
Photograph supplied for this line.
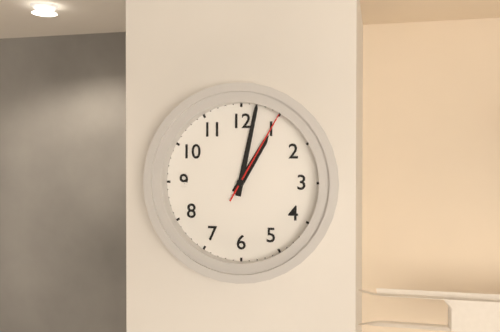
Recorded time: 1.02.05
